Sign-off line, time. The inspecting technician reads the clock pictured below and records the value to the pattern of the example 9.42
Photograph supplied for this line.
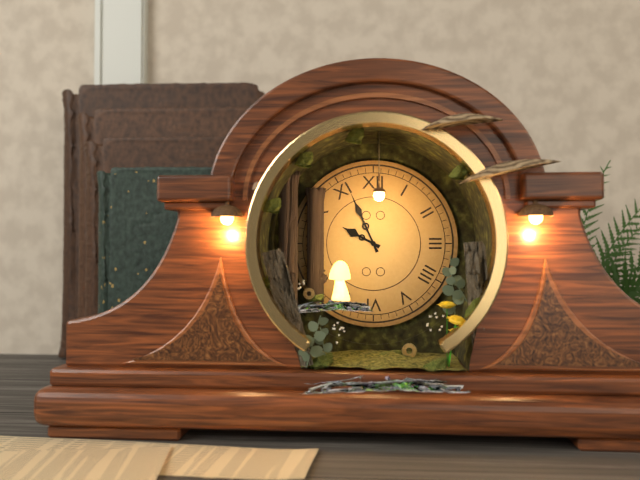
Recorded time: 9.56
